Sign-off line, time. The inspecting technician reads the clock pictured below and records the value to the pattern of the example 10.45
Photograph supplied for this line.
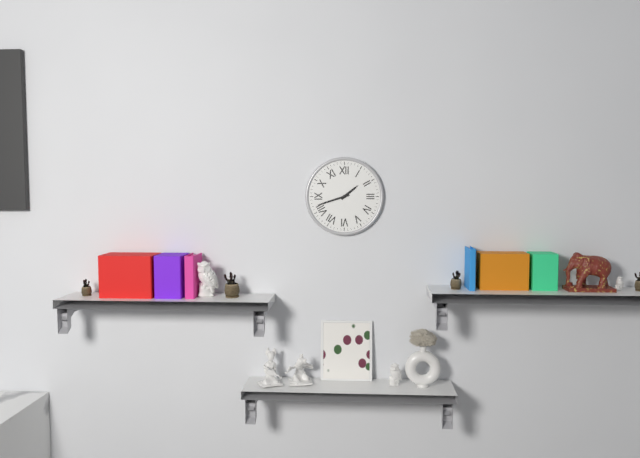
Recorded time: 1.42
